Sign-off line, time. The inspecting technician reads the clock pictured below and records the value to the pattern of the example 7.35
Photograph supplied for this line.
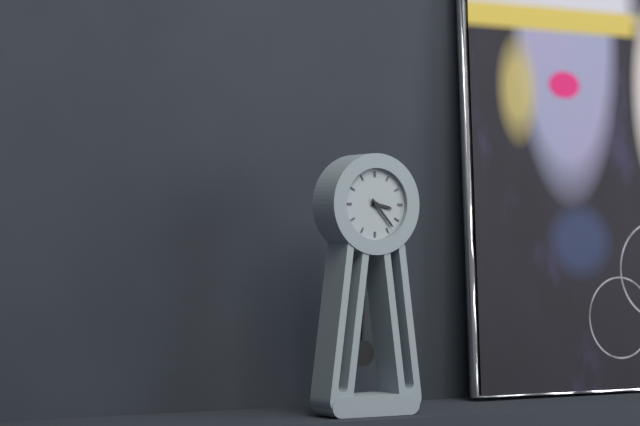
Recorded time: 3.23
